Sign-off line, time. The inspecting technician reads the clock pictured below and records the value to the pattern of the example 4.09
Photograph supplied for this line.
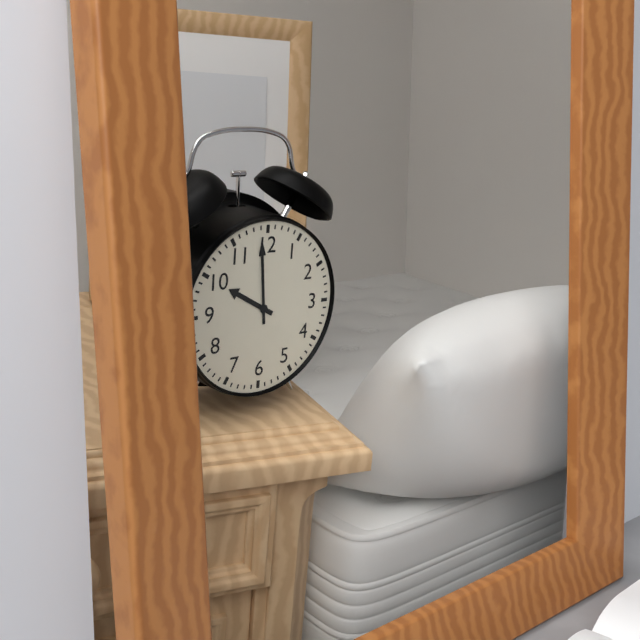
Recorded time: 9.59
